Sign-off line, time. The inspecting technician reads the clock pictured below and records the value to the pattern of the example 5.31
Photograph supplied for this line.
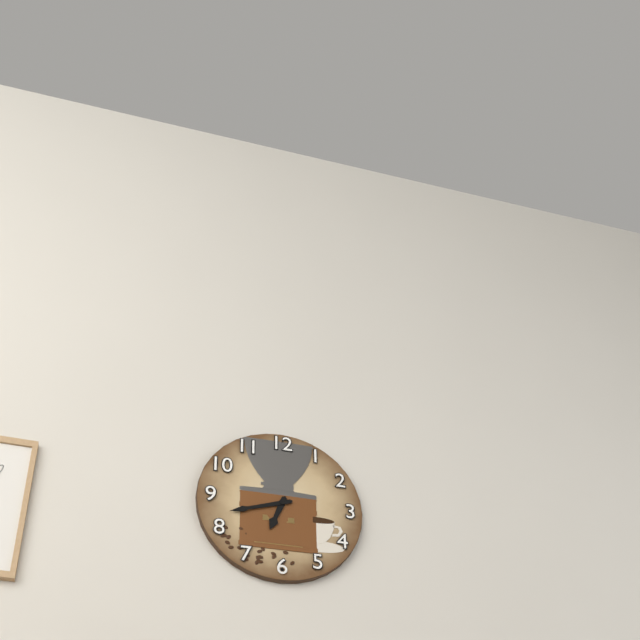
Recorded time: 6.42
